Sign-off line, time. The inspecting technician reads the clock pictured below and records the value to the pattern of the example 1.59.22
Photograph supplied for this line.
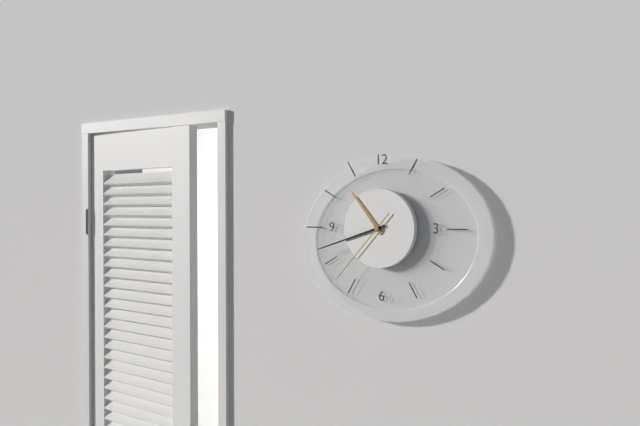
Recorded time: 10.42.37
